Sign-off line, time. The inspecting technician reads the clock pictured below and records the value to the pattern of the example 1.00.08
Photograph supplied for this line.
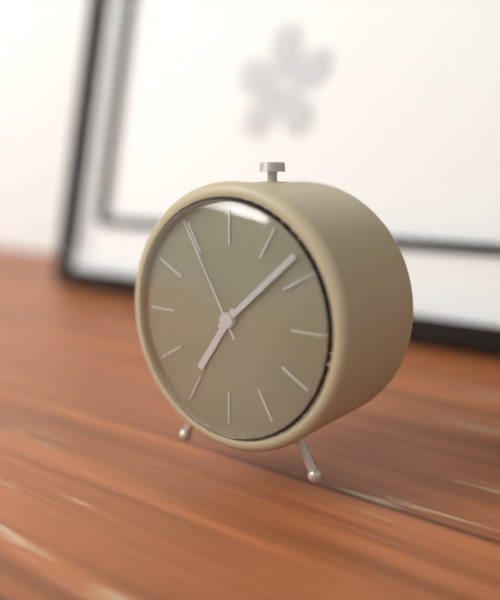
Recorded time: 7.08.55
